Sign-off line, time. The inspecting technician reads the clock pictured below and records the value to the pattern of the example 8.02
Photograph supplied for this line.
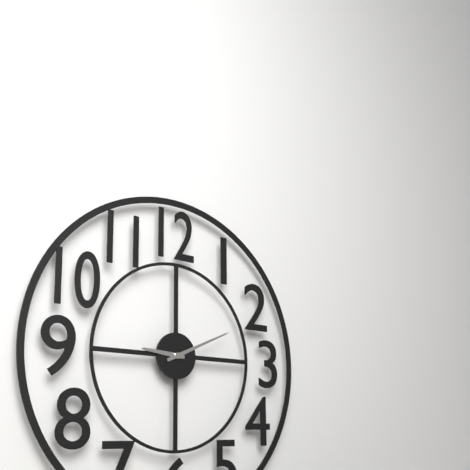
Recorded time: 9.11
